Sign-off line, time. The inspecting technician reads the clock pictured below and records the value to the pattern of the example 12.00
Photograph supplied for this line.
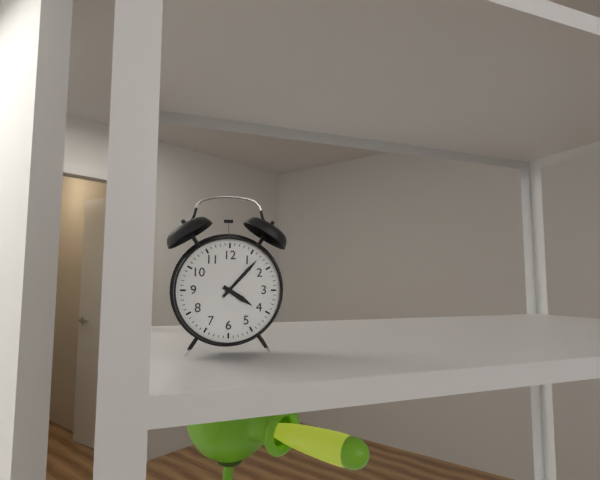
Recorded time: 4.07
